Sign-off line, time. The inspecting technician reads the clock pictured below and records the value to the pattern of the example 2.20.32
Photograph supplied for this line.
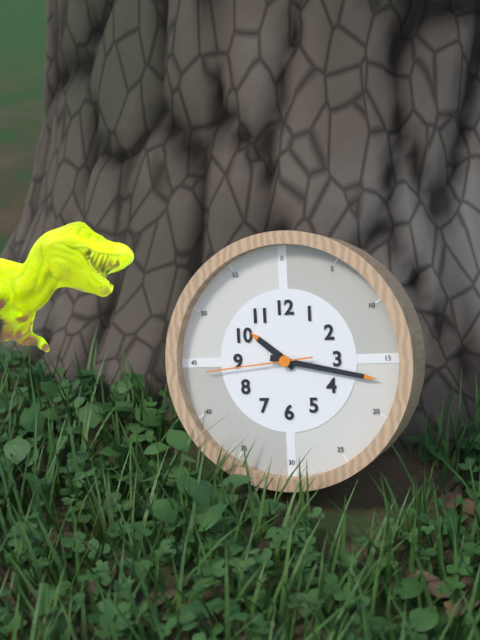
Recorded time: 10.17.44
